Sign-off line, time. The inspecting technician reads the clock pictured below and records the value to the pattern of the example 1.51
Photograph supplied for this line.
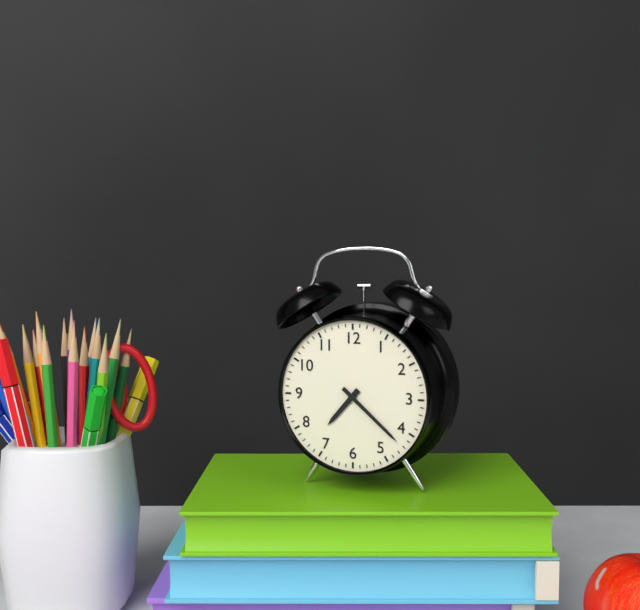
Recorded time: 7.22
